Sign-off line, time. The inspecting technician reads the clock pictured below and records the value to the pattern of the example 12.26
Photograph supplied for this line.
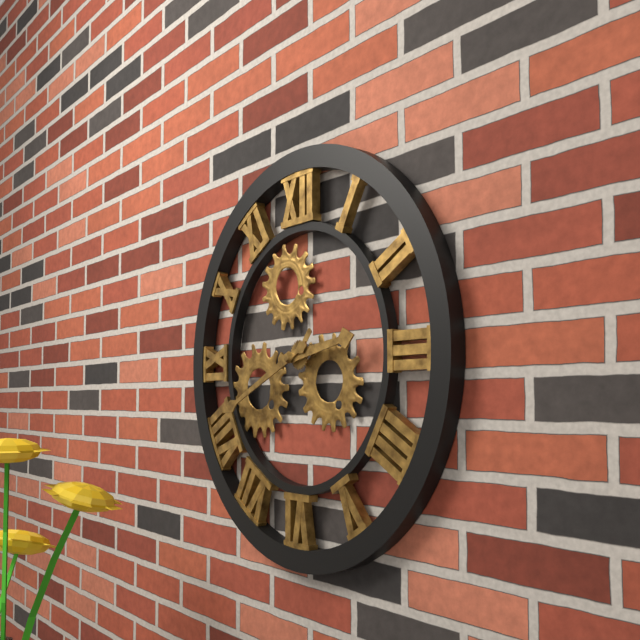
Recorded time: 2.41
